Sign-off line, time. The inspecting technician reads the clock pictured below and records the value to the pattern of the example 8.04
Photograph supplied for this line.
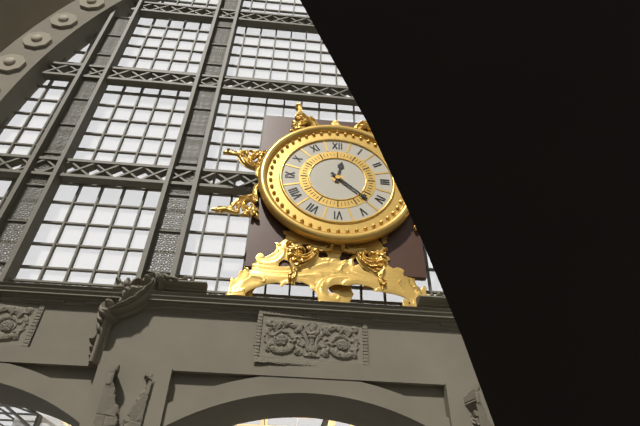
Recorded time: 12.22
